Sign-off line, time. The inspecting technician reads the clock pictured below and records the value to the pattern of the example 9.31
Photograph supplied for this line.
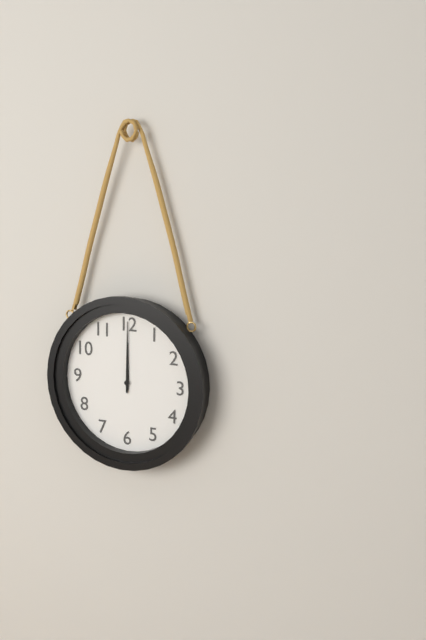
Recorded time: 12.00
